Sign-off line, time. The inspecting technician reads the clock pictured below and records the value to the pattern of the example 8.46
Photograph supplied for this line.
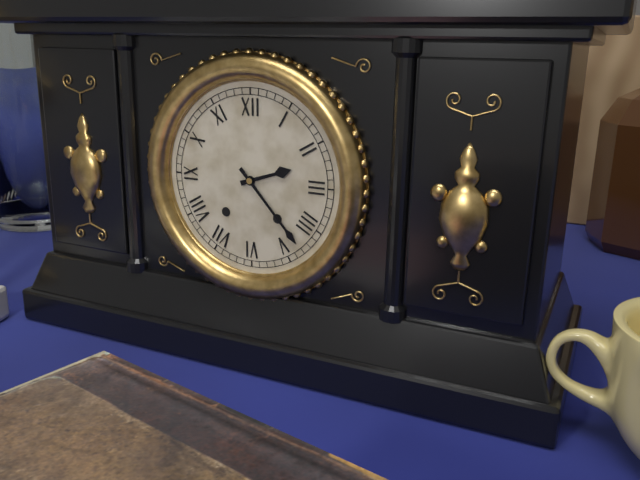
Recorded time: 2.23
